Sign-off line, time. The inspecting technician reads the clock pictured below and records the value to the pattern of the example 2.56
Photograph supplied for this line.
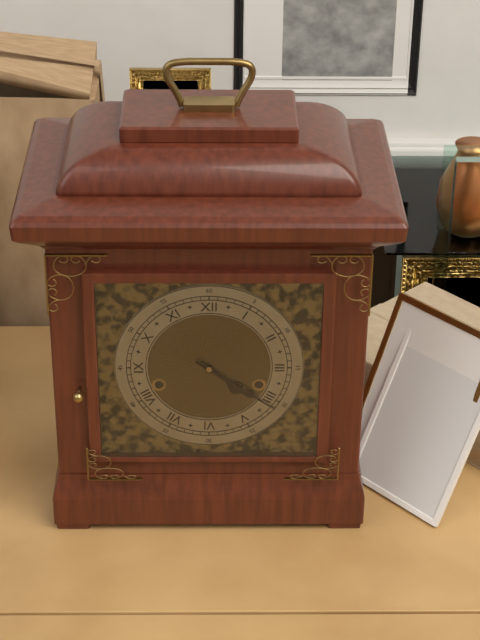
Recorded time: 4.21
